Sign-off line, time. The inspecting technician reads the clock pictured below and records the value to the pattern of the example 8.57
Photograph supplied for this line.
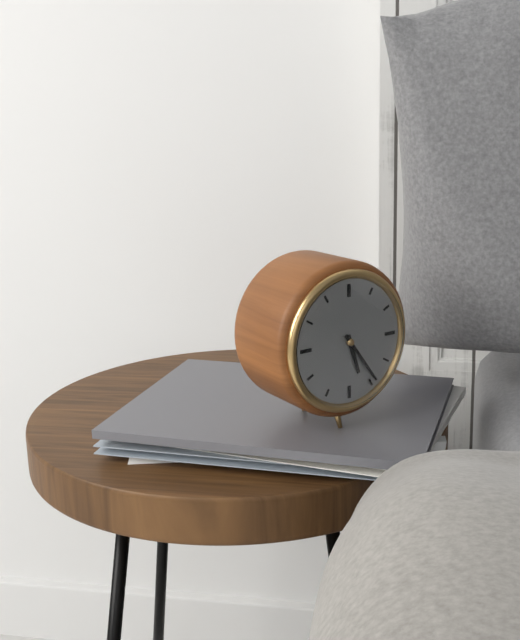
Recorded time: 5.24
